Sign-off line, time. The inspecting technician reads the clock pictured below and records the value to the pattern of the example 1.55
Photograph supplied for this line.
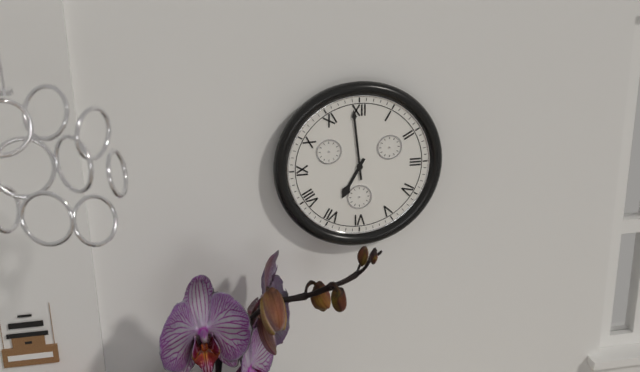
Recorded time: 6.59
